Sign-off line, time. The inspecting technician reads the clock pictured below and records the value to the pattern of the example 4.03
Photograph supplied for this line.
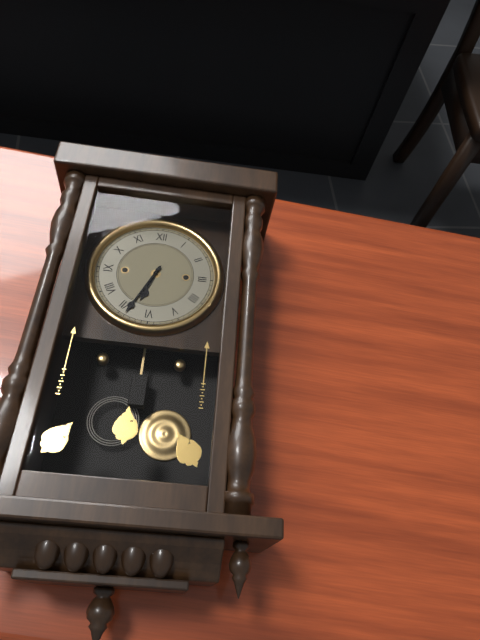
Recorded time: 6.34
